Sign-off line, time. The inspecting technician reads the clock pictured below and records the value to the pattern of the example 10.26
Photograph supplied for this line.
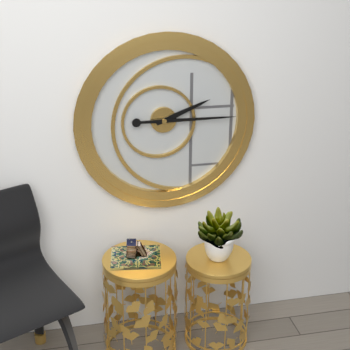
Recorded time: 2.15
